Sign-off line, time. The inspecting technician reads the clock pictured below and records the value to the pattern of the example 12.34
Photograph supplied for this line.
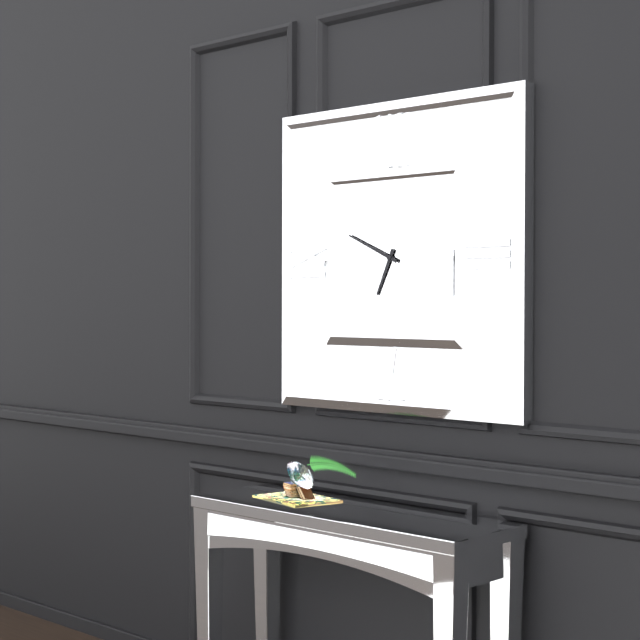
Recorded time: 6.49
